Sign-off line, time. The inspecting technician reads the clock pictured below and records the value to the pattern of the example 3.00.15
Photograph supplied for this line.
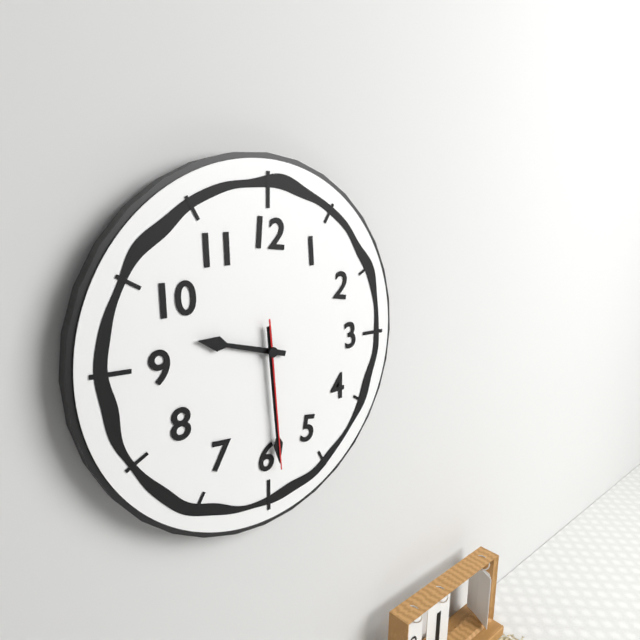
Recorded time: 9.29.29
